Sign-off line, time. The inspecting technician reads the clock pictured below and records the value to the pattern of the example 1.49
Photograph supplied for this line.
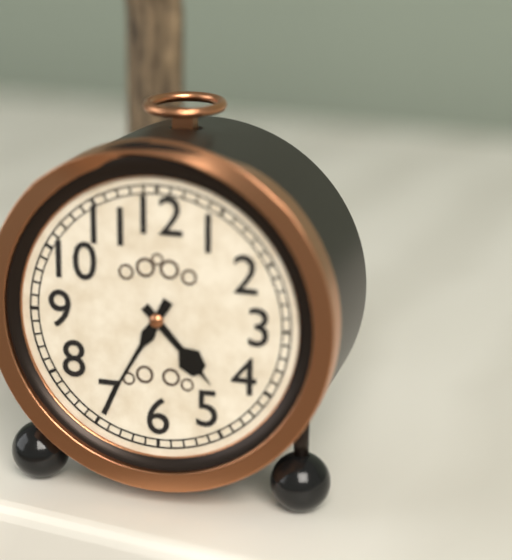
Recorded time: 4.35
